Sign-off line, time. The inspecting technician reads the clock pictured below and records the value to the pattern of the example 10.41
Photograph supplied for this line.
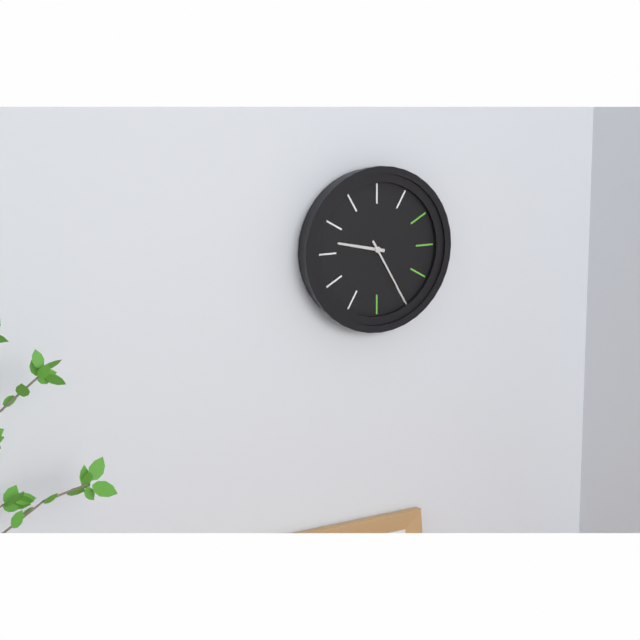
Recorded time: 9.25
